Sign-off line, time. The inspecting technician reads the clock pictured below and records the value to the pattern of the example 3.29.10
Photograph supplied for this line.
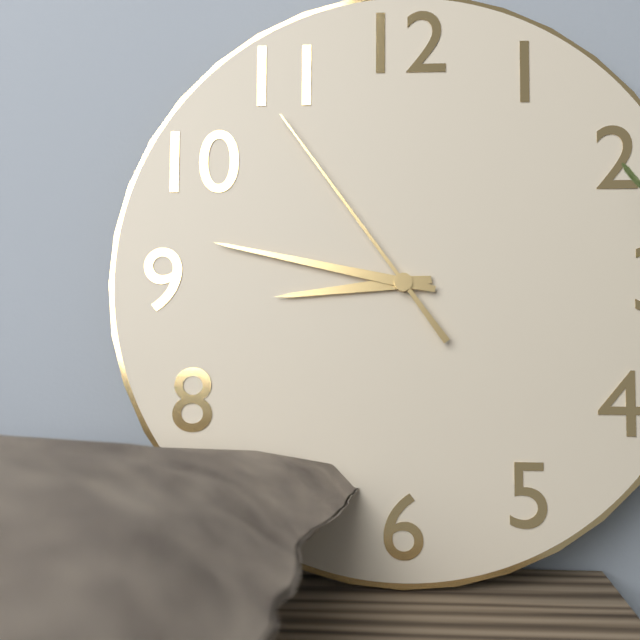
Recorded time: 8.47.54
